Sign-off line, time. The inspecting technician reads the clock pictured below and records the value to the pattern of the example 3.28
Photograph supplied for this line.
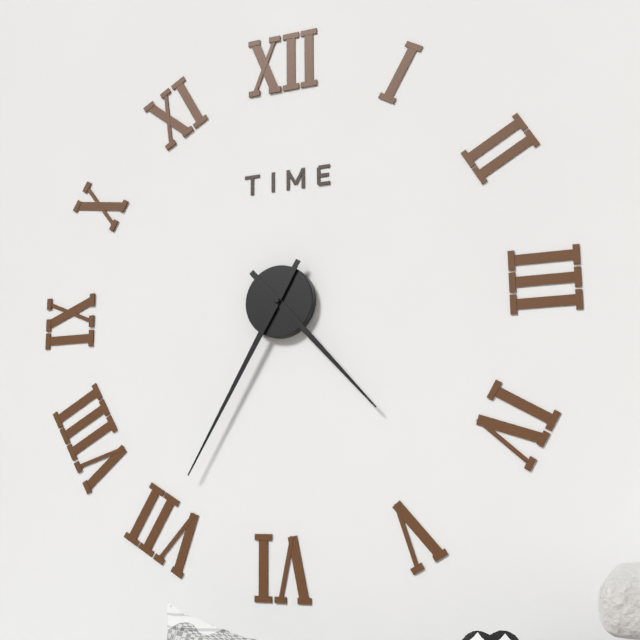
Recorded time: 4.35
